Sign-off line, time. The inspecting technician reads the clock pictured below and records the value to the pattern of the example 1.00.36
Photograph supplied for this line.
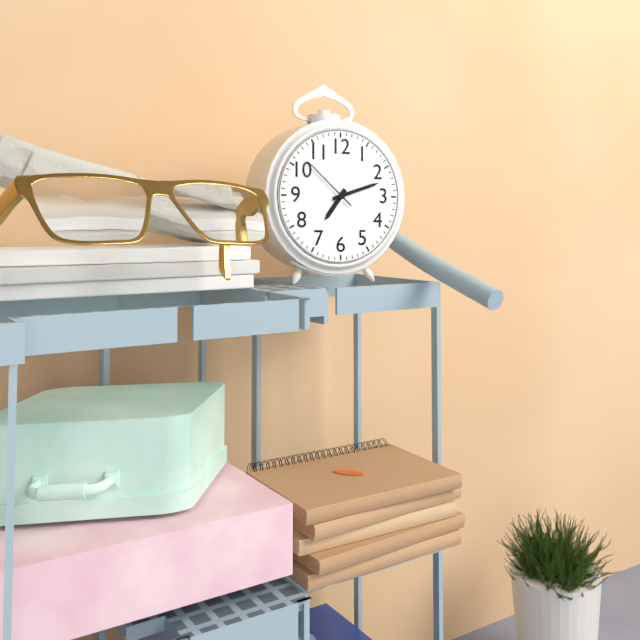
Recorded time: 7.12.52
